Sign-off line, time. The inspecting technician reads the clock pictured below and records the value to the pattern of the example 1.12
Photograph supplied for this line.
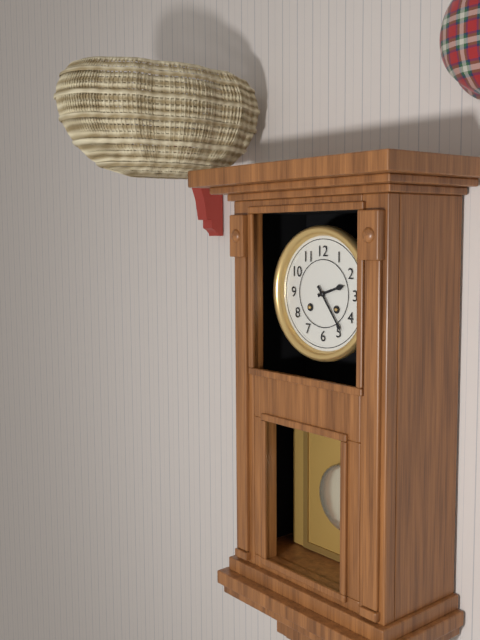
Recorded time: 2.24
